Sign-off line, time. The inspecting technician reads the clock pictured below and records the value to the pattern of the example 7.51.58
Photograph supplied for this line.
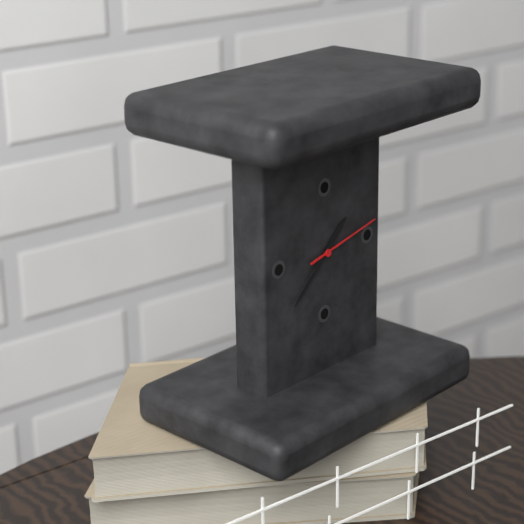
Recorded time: 1.38.13
